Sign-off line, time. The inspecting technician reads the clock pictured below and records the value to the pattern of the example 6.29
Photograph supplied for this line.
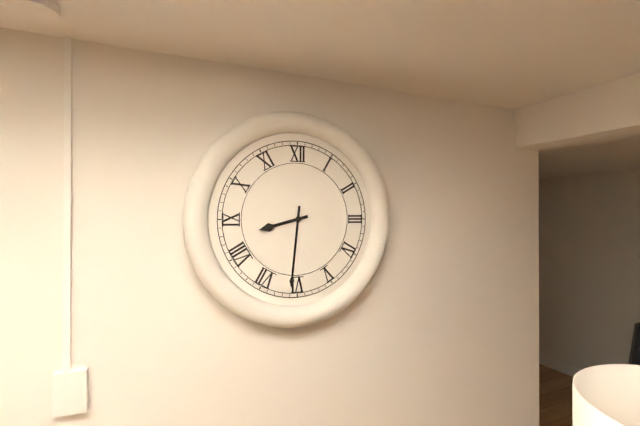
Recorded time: 8.31
